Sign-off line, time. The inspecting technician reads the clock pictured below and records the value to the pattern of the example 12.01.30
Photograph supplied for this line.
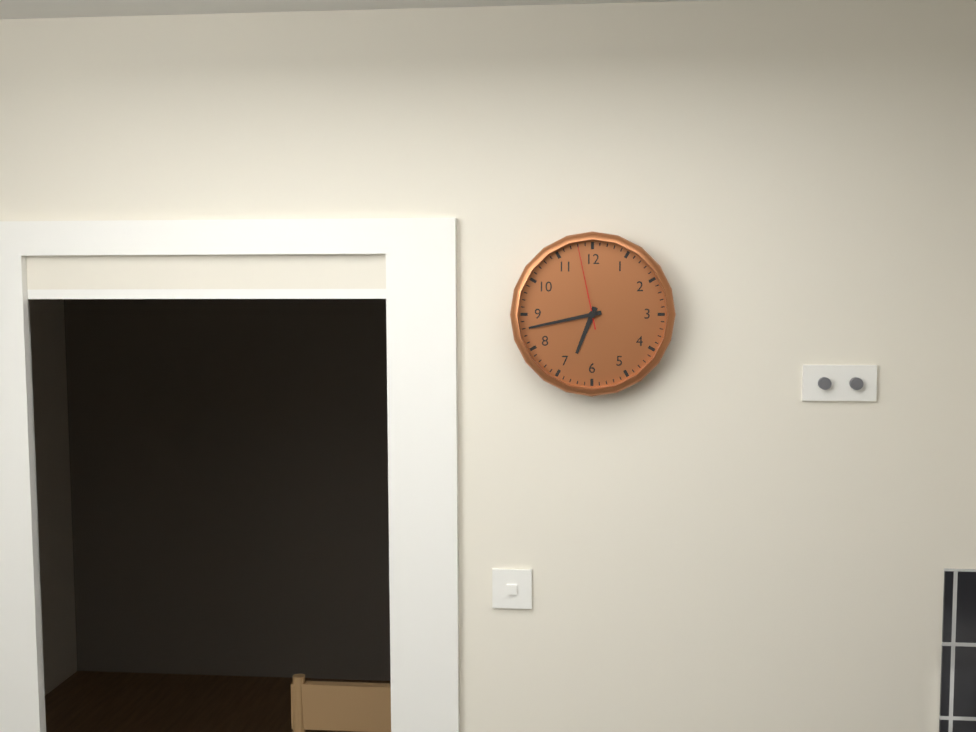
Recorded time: 6.43.58
